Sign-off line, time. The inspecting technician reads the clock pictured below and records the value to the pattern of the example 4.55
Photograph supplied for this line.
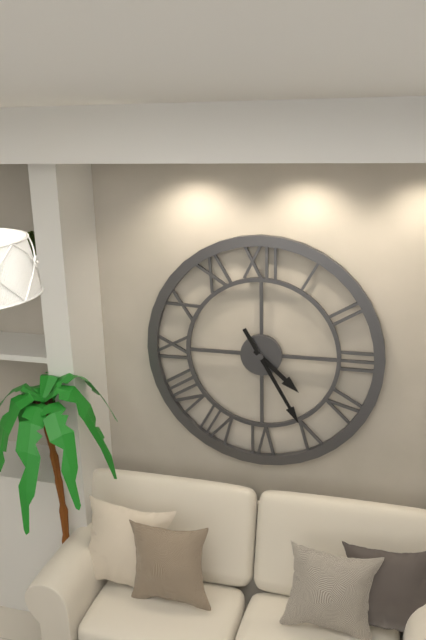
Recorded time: 4.25
